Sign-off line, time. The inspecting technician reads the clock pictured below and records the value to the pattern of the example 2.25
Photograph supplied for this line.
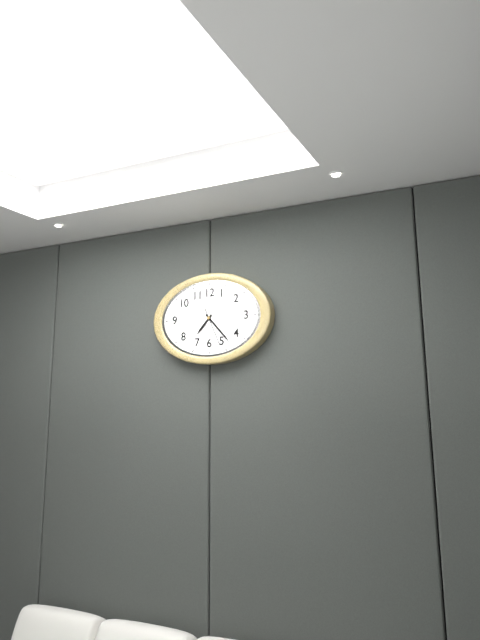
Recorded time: 7.23
